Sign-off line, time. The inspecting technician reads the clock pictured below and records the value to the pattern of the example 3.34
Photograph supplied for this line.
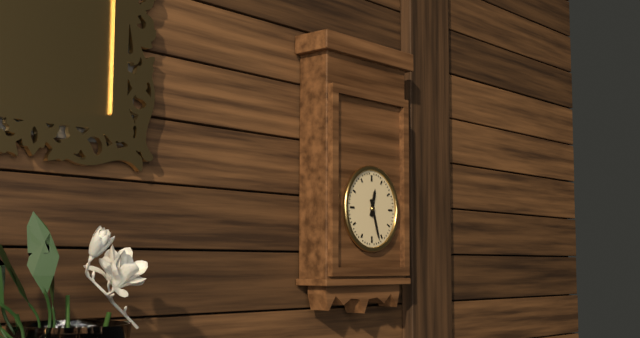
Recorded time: 12.27
